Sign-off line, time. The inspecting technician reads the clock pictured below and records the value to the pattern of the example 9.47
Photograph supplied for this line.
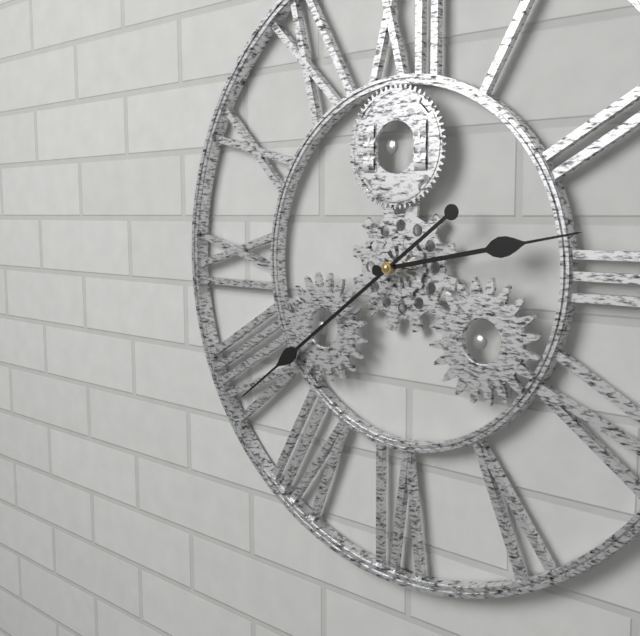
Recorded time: 2.39
